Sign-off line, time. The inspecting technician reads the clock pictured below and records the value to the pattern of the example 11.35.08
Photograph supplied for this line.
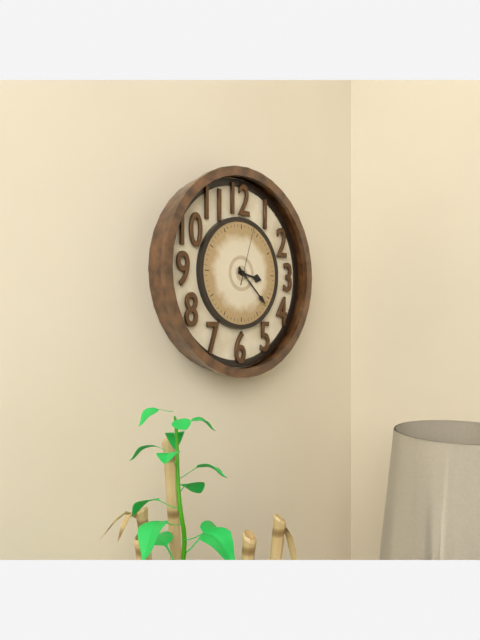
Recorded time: 3.22.03
